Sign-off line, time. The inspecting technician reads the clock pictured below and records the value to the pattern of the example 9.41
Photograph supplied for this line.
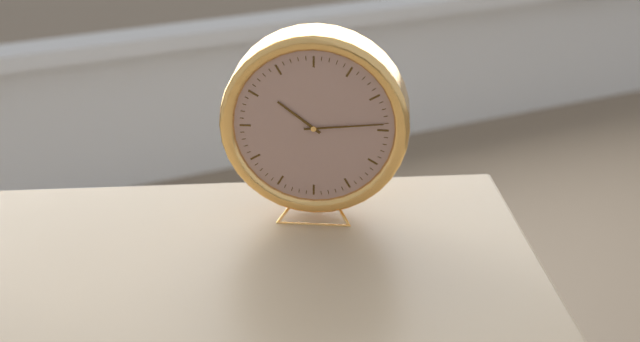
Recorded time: 10.14
